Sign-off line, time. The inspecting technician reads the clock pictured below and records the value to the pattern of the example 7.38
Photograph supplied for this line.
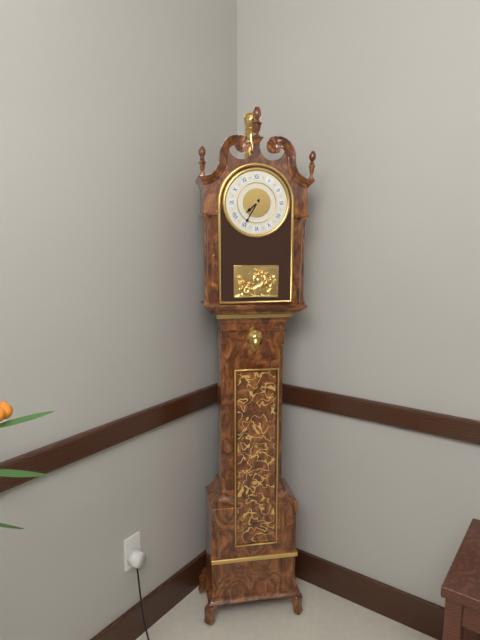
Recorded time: 7.35
